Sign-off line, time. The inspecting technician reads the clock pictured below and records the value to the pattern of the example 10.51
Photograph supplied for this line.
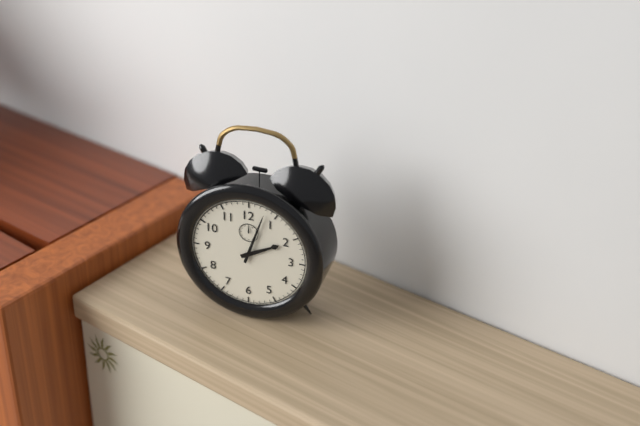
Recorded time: 2.03
